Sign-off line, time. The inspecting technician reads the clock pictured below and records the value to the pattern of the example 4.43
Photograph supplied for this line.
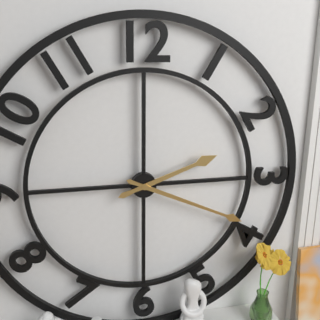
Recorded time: 2.19
